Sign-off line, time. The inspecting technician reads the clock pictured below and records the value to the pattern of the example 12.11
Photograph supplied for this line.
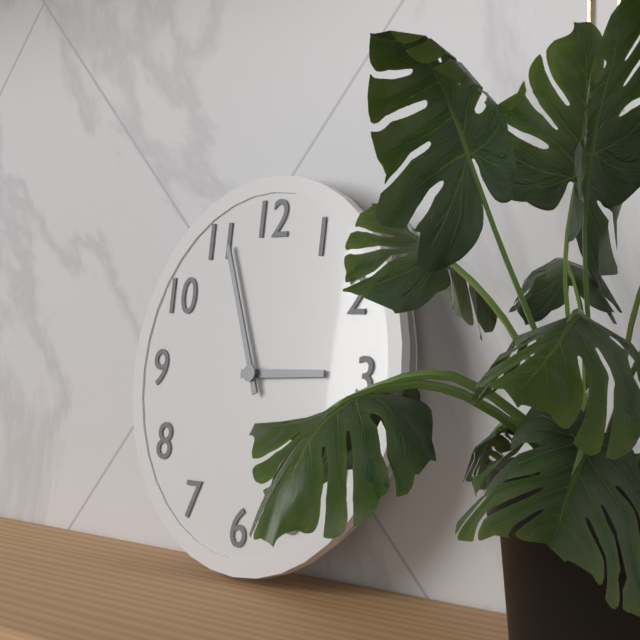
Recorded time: 2.56
